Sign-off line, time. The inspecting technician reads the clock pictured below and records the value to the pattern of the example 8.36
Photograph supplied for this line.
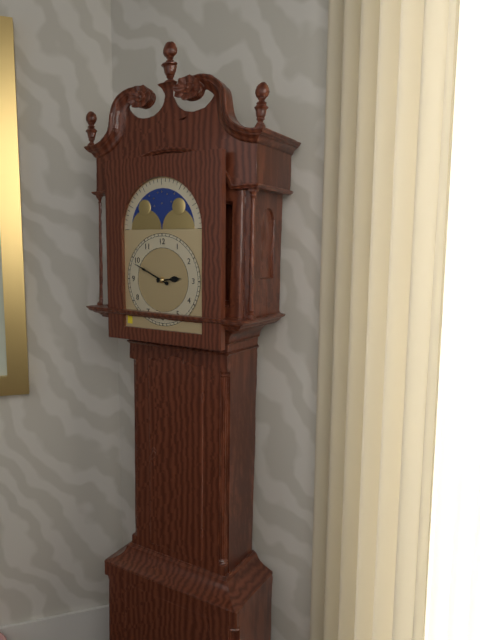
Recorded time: 2.49
